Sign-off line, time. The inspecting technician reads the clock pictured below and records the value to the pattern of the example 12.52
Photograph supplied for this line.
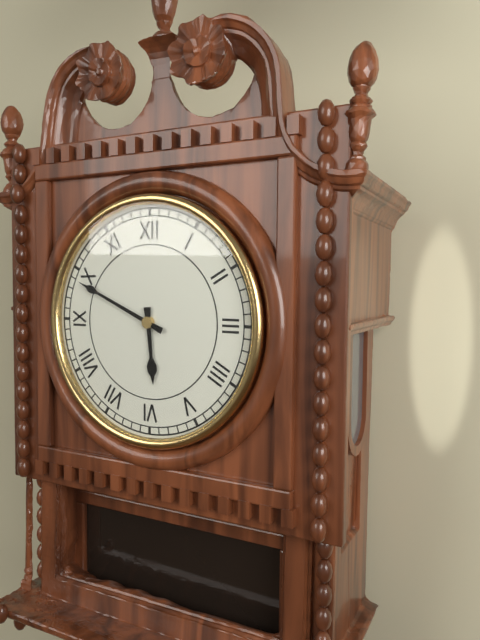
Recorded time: 5.49
